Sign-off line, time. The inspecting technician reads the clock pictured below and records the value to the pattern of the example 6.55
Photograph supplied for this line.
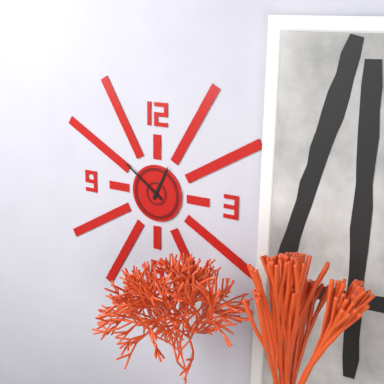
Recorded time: 12.51
